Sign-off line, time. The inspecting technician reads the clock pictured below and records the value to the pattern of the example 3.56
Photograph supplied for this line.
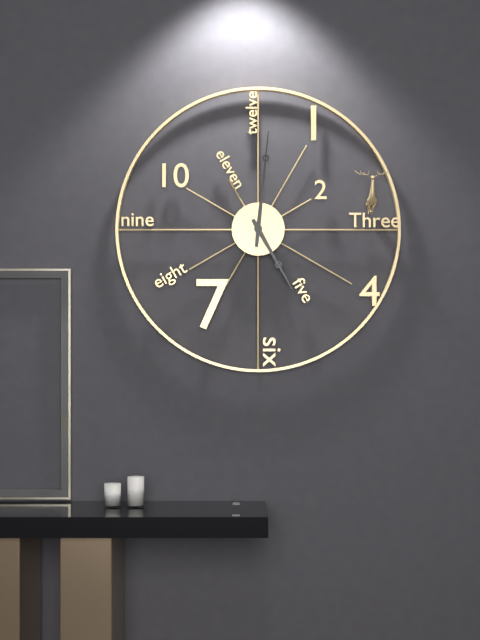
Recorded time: 5.01
